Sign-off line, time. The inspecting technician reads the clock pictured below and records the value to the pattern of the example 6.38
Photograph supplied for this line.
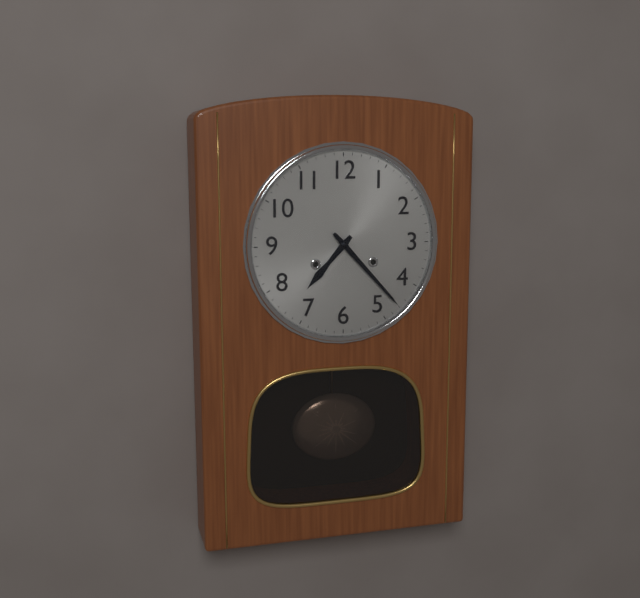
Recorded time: 7.23
